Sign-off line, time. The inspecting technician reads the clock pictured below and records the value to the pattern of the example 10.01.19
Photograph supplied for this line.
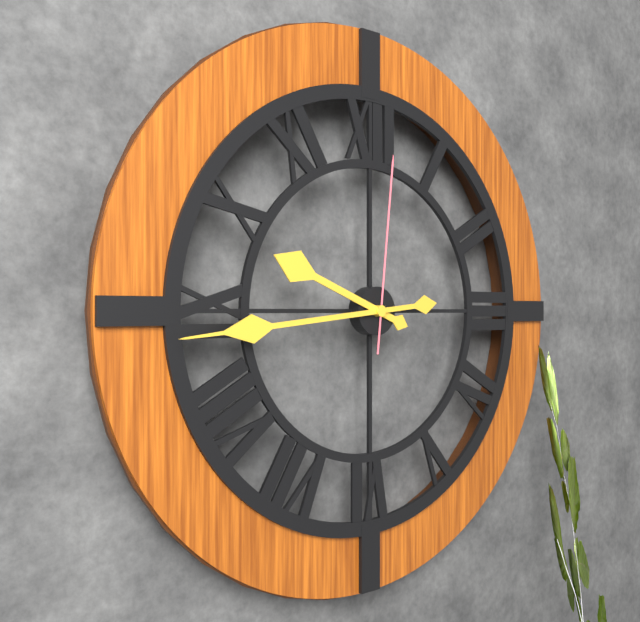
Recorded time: 9.44.01
